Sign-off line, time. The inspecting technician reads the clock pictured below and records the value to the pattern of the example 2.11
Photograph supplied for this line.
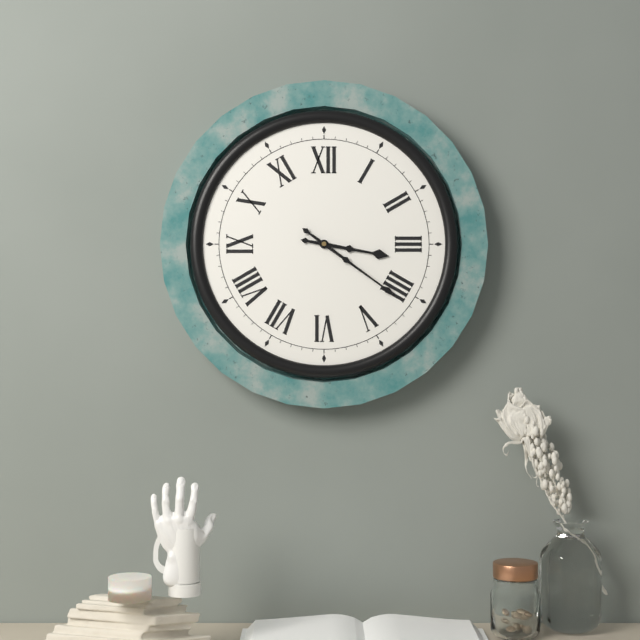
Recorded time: 3.21
